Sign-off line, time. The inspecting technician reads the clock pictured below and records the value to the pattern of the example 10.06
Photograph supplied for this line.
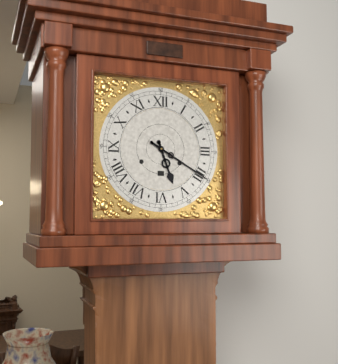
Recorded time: 5.20
